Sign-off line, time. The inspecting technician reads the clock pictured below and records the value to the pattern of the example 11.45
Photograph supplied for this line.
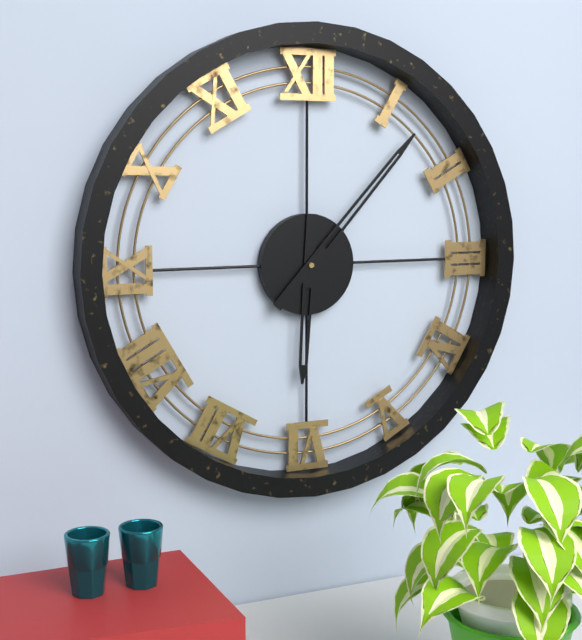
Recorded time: 6.07
